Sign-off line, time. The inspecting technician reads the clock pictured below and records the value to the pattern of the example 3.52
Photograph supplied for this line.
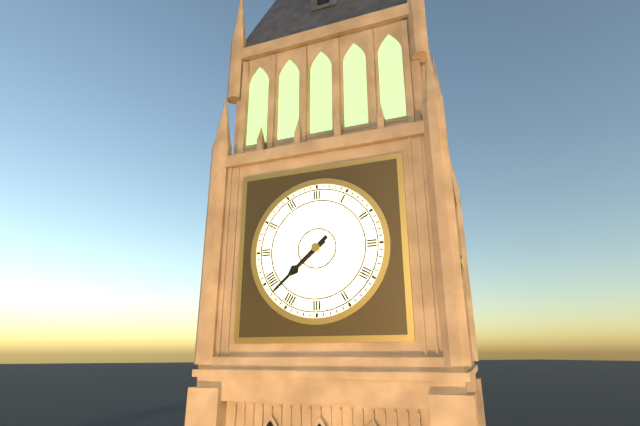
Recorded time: 7.38
